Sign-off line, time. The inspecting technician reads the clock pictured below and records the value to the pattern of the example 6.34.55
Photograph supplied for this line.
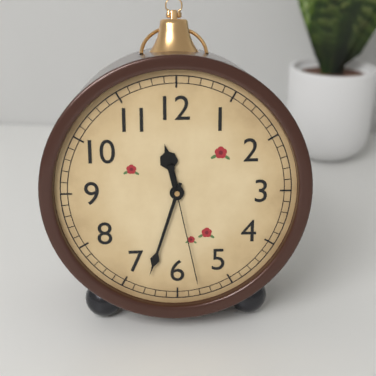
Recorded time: 11.33.28
